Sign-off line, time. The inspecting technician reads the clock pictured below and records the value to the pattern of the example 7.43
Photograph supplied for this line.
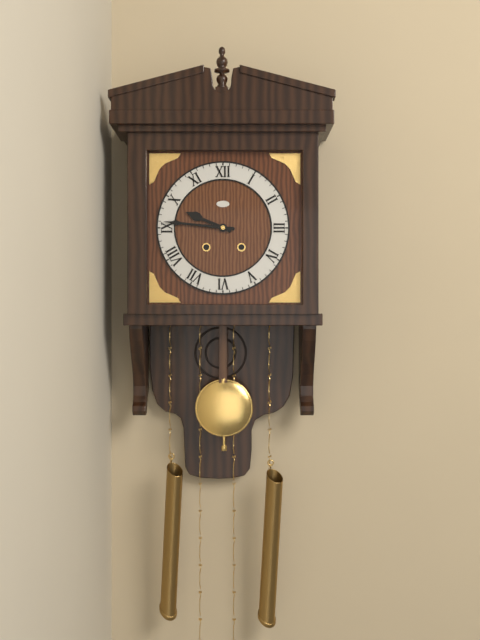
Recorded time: 9.46
